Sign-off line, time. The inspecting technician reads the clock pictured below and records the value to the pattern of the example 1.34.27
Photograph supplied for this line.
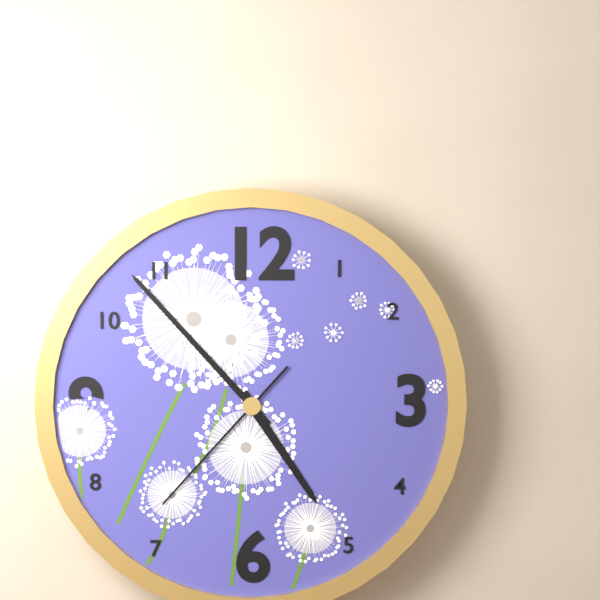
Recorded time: 4.53.37
